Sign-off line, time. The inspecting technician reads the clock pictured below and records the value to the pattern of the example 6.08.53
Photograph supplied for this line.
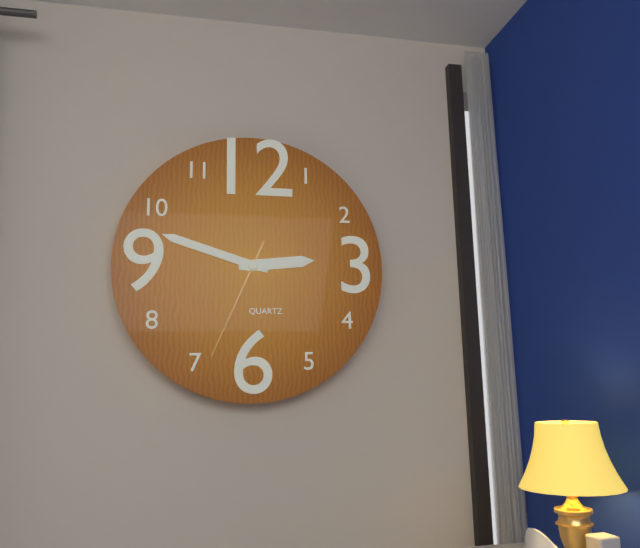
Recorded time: 2.48.34
